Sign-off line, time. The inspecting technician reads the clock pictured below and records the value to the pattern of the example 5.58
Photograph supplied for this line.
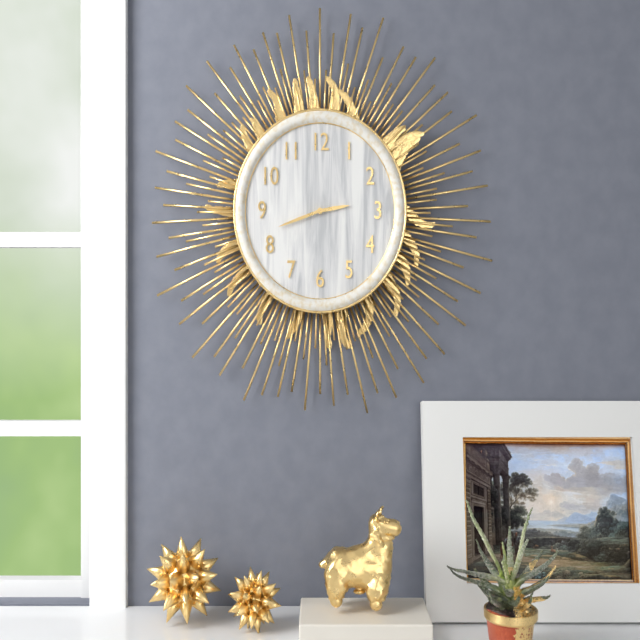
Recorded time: 2.42
